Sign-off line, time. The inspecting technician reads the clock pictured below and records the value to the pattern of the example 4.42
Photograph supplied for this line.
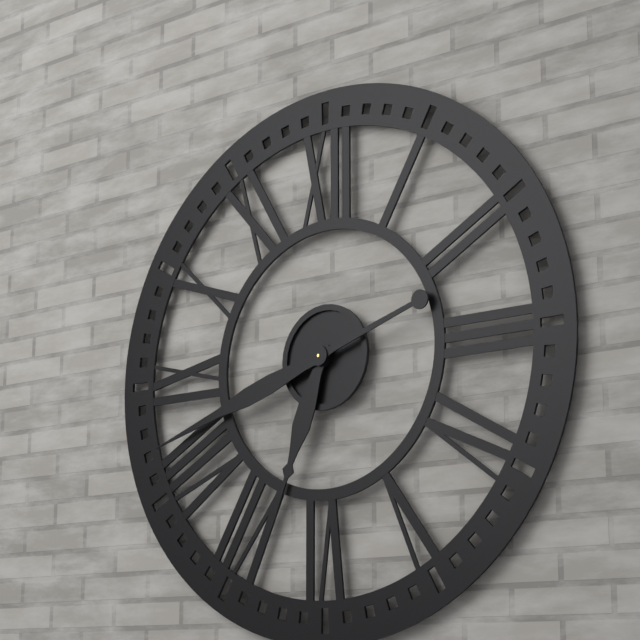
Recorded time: 6.42
